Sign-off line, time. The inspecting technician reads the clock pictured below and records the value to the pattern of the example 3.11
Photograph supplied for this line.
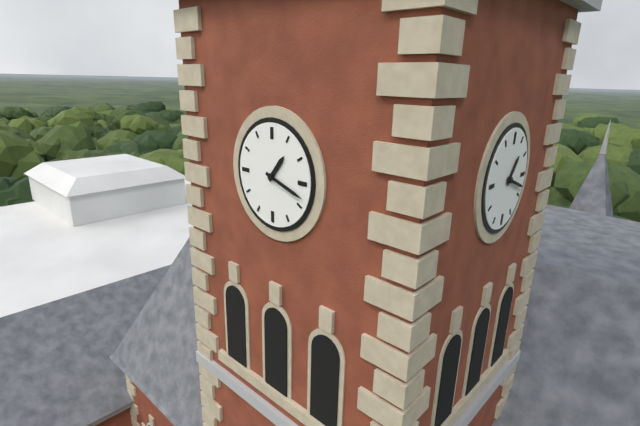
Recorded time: 1.18
